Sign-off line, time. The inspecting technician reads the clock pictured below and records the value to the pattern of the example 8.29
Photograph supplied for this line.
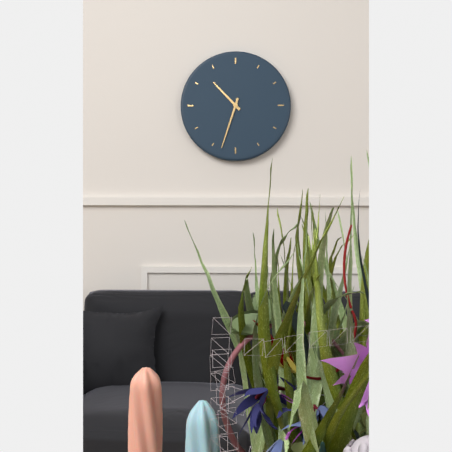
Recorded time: 10.33
